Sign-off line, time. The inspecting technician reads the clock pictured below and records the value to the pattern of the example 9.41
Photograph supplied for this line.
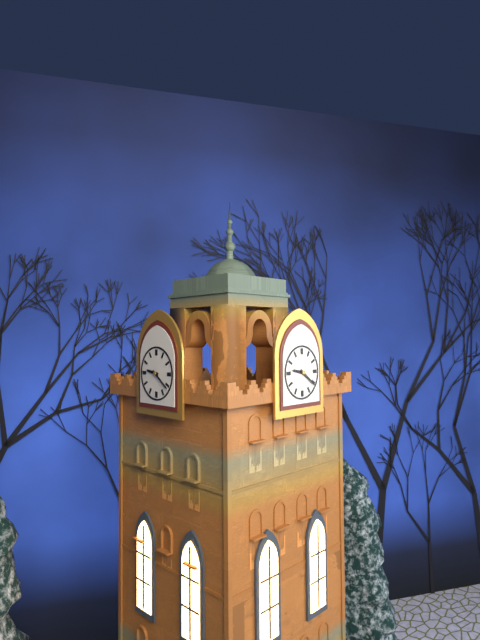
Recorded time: 9.21
